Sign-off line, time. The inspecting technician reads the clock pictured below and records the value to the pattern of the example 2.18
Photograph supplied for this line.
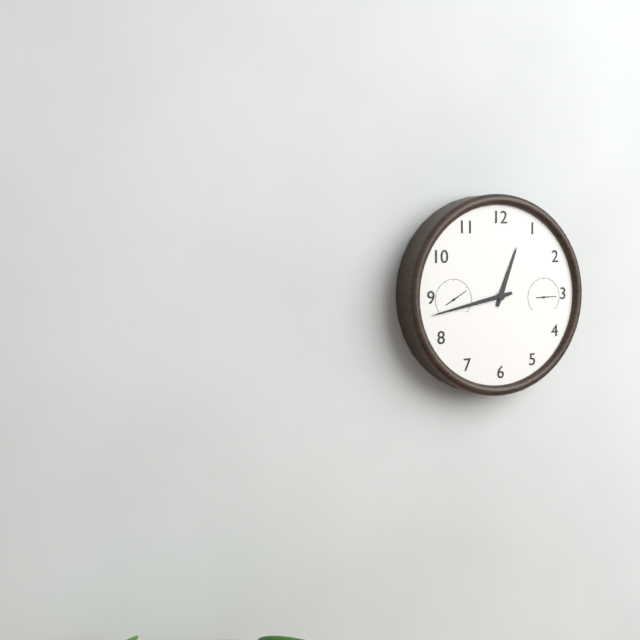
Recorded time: 12.43
